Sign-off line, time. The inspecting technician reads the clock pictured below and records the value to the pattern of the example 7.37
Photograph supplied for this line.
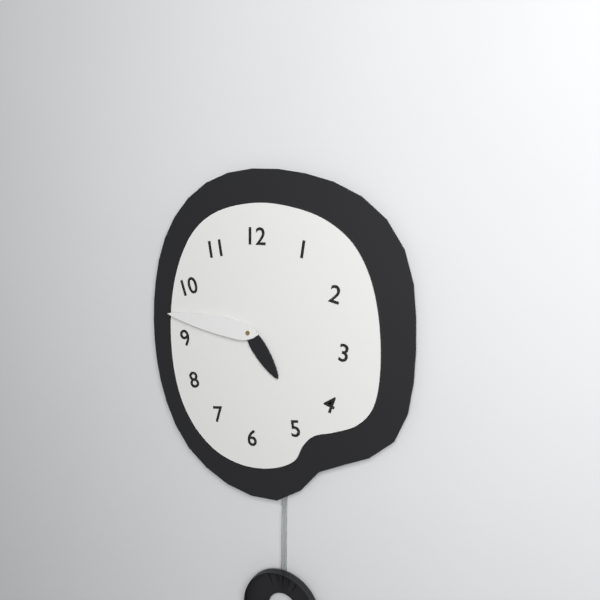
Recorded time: 4.46
